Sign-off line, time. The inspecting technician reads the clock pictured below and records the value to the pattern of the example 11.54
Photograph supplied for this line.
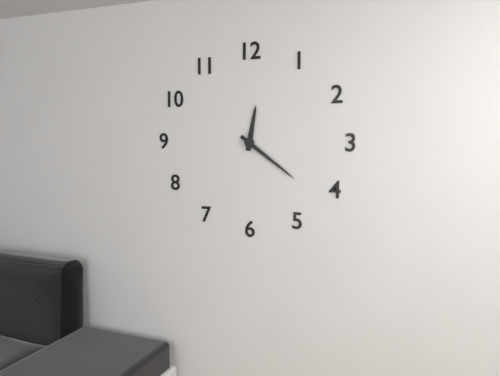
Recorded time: 12.21
